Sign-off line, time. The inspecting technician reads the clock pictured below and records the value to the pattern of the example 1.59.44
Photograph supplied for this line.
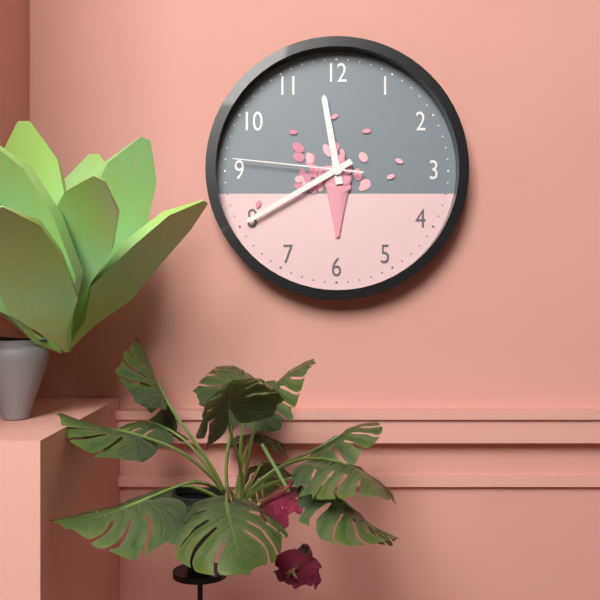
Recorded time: 11.40.46
